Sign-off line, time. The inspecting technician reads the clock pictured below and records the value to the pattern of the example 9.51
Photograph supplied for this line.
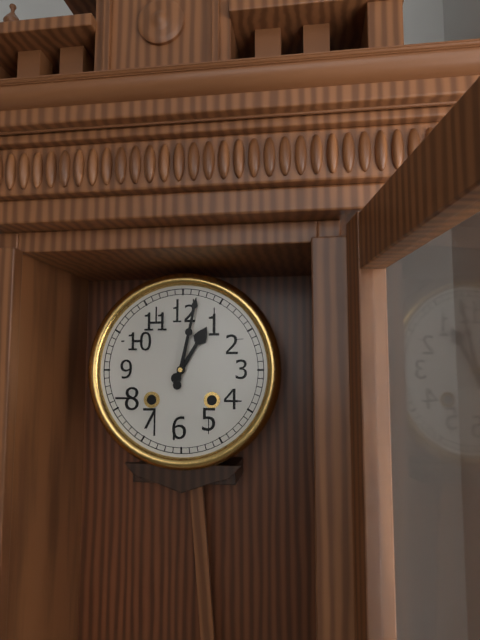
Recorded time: 1.02
